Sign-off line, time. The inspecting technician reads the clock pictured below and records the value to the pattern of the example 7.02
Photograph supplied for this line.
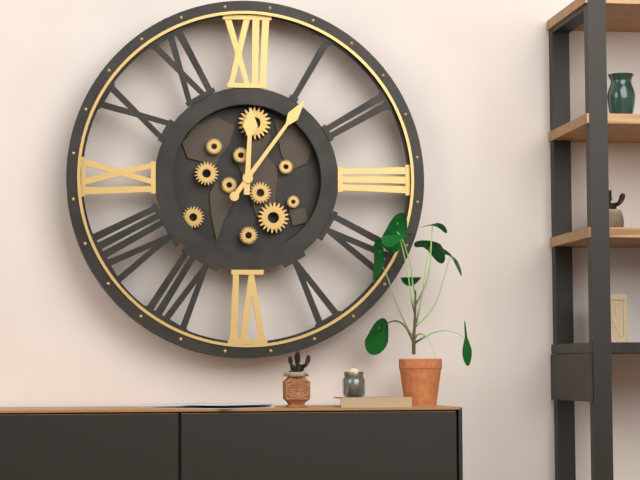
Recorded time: 12.06
